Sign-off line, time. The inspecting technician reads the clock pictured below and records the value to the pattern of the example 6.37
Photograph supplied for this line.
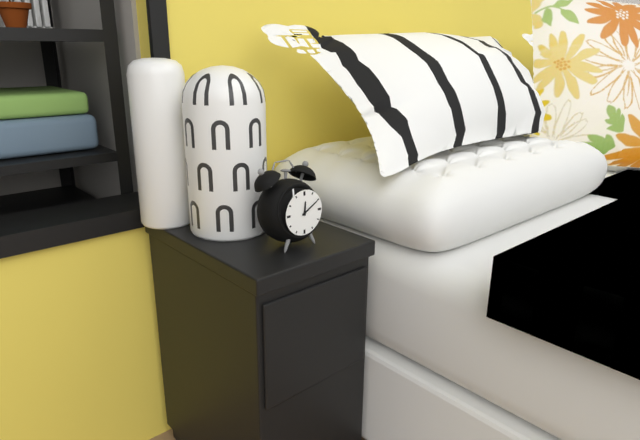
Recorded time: 12.10
